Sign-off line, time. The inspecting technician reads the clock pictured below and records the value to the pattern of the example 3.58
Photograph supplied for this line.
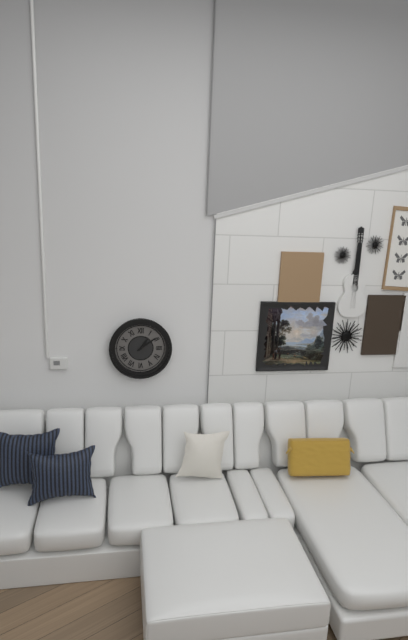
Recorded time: 1.09
